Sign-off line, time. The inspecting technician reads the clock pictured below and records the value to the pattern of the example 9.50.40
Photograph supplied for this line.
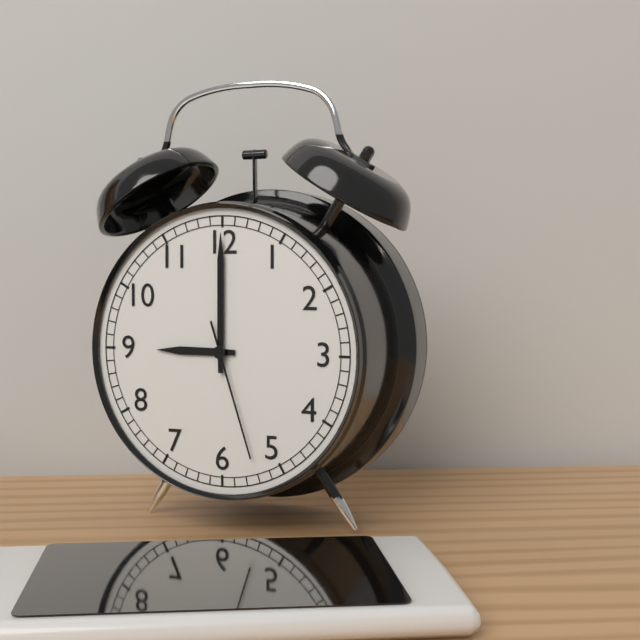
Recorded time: 9.00.27
